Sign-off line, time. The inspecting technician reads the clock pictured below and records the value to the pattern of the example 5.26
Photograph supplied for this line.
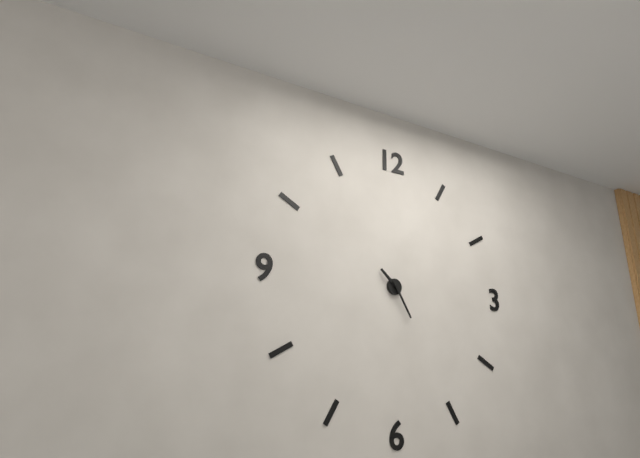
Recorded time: 10.25
